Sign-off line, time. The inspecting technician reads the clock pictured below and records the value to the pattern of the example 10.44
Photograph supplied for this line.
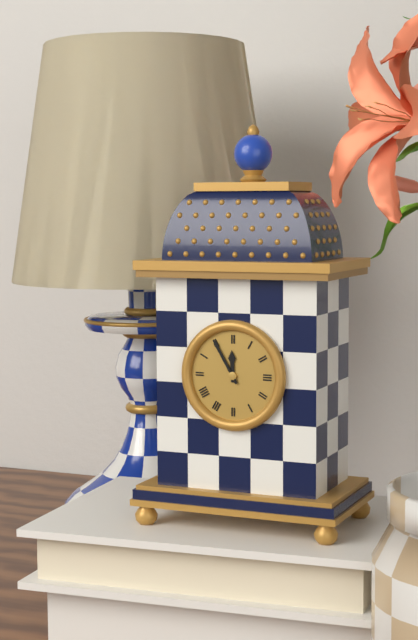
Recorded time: 11.55
